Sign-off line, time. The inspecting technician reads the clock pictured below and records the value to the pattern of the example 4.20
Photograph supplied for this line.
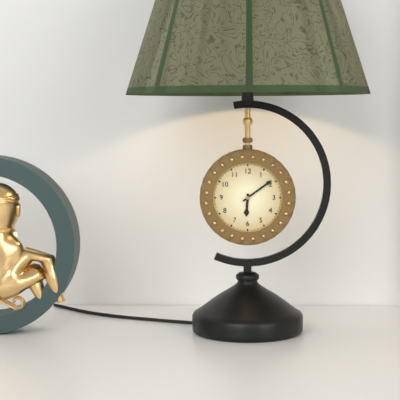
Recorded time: 6.09
